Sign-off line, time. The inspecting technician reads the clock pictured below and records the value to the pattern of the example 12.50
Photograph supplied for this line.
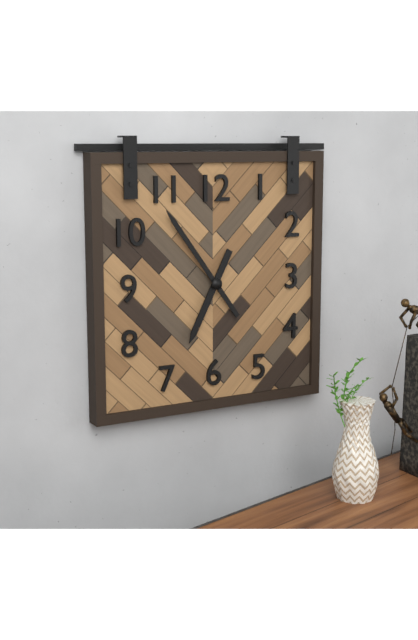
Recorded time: 6.54
